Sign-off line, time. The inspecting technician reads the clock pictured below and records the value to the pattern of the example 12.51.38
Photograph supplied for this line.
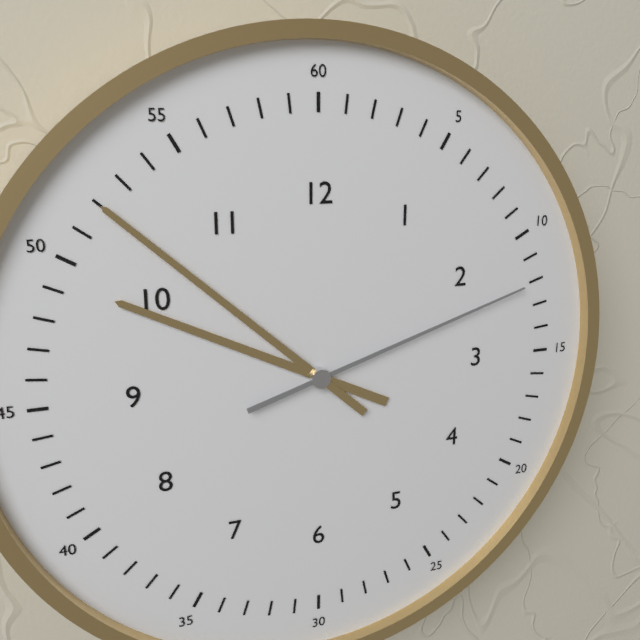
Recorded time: 9.52.12
